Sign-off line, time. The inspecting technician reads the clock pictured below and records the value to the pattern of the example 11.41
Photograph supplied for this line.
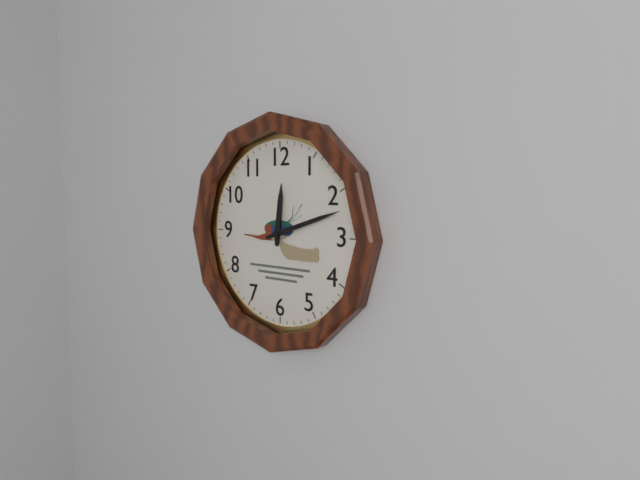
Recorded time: 12.12
